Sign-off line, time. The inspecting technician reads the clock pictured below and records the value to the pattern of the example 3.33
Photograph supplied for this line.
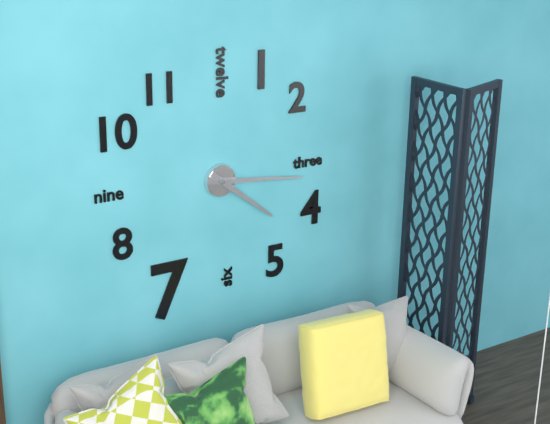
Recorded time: 4.16
